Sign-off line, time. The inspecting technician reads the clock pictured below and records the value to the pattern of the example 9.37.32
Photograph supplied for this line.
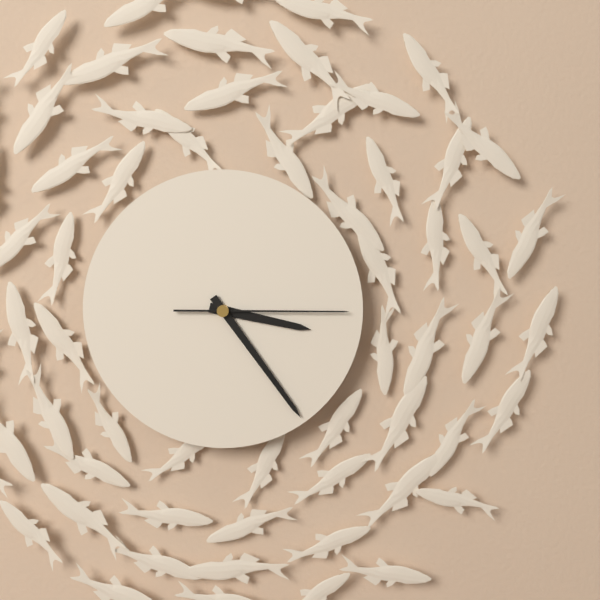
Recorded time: 3.24.15
